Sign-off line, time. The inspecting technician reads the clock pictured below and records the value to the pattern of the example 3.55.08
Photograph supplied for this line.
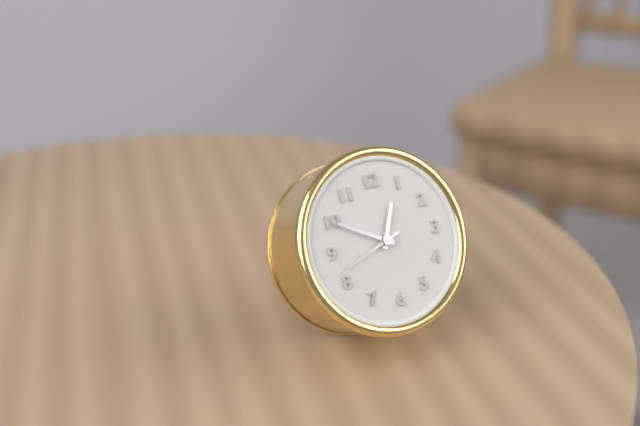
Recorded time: 12.50.42
